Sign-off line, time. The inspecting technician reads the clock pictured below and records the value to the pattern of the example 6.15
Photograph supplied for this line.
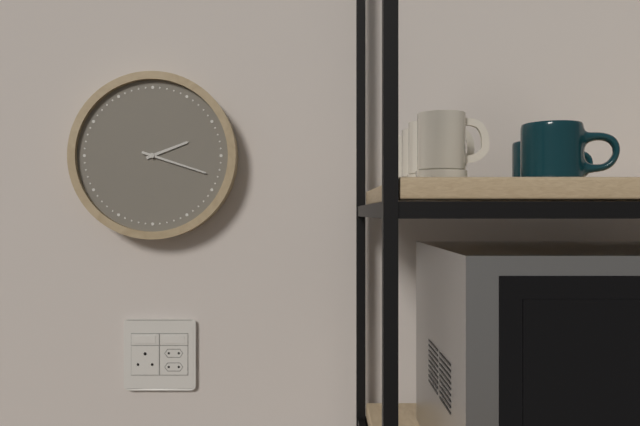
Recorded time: 2.18
